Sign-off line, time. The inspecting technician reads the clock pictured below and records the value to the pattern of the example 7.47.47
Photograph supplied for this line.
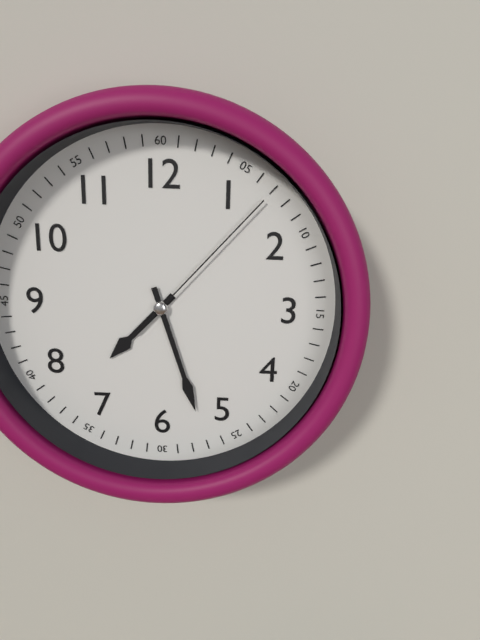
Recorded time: 7.27.07
